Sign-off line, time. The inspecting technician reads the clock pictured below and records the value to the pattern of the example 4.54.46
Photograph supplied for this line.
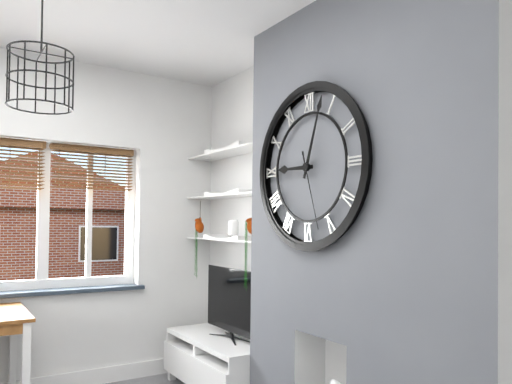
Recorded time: 9.03.27
